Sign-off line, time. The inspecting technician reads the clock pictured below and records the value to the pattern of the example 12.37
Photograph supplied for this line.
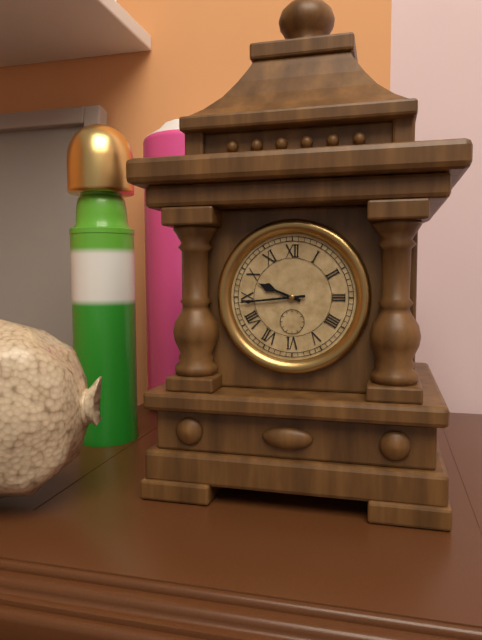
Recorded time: 9.44
